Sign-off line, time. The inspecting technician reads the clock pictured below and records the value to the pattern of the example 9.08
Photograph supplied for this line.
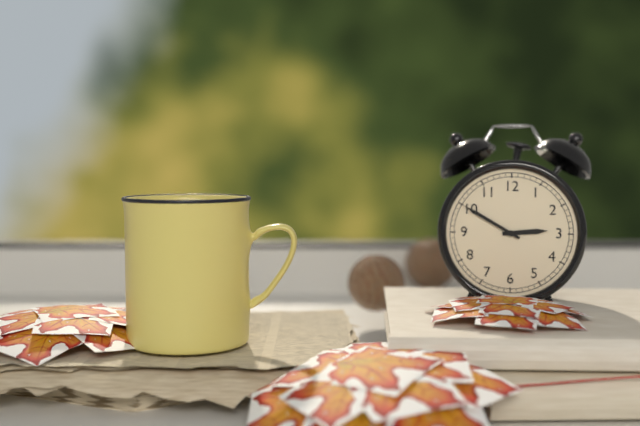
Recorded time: 2.50
